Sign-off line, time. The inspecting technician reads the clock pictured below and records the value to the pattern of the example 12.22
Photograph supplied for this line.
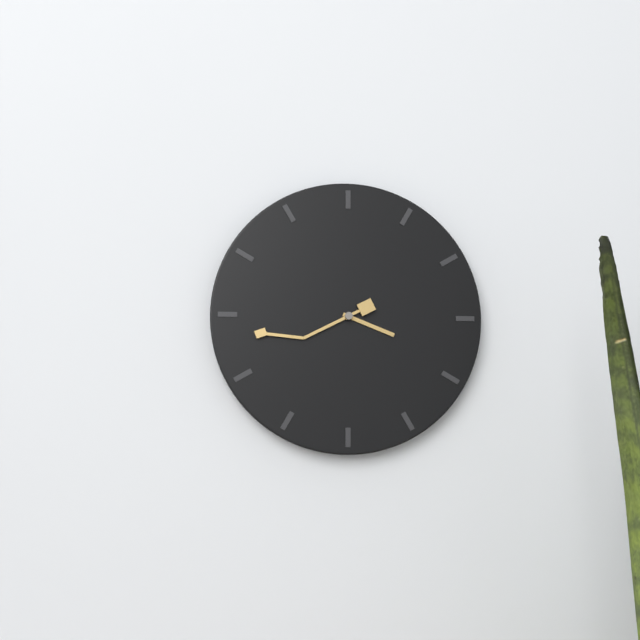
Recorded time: 3.43
